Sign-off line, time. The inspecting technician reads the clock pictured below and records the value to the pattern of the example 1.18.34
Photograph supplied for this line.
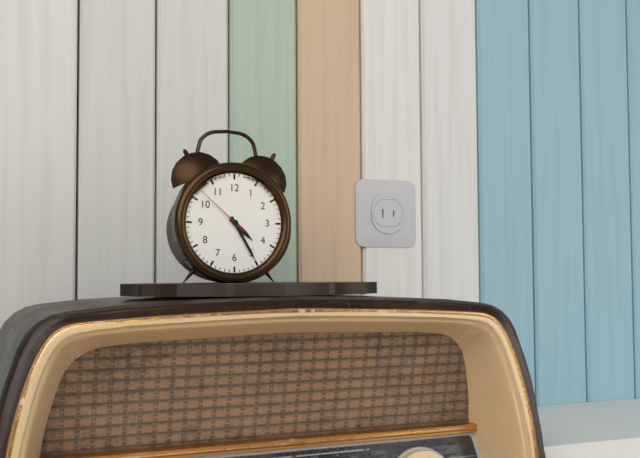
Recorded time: 4.25.52
